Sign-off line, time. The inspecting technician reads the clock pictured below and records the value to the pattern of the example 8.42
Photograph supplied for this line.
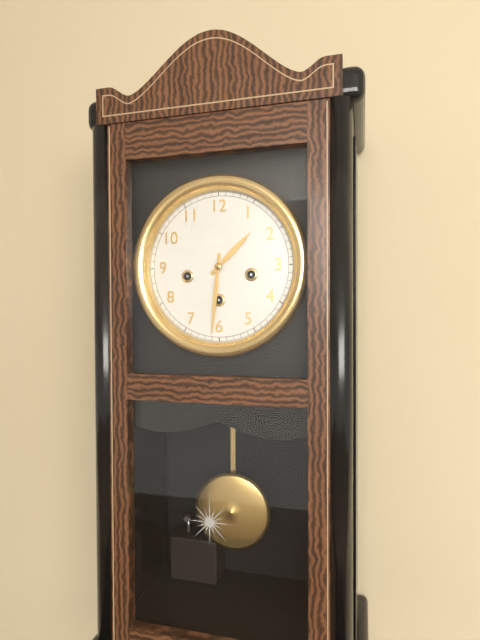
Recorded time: 1.31
